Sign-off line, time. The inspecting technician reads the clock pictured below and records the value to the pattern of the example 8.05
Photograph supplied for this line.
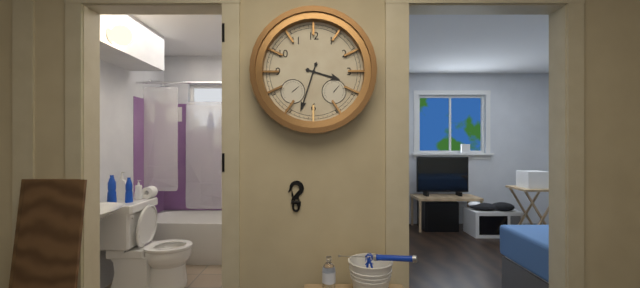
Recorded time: 3.33
